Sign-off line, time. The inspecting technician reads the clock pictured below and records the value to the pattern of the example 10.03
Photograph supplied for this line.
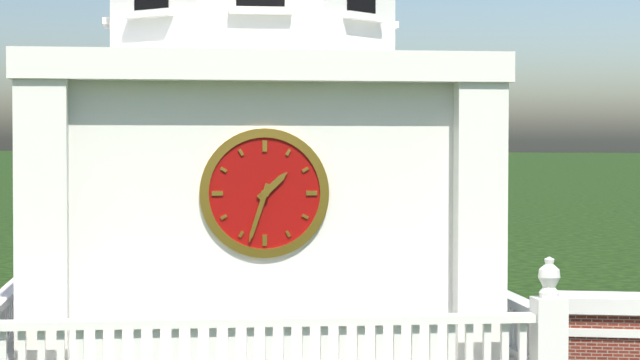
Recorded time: 1.33
